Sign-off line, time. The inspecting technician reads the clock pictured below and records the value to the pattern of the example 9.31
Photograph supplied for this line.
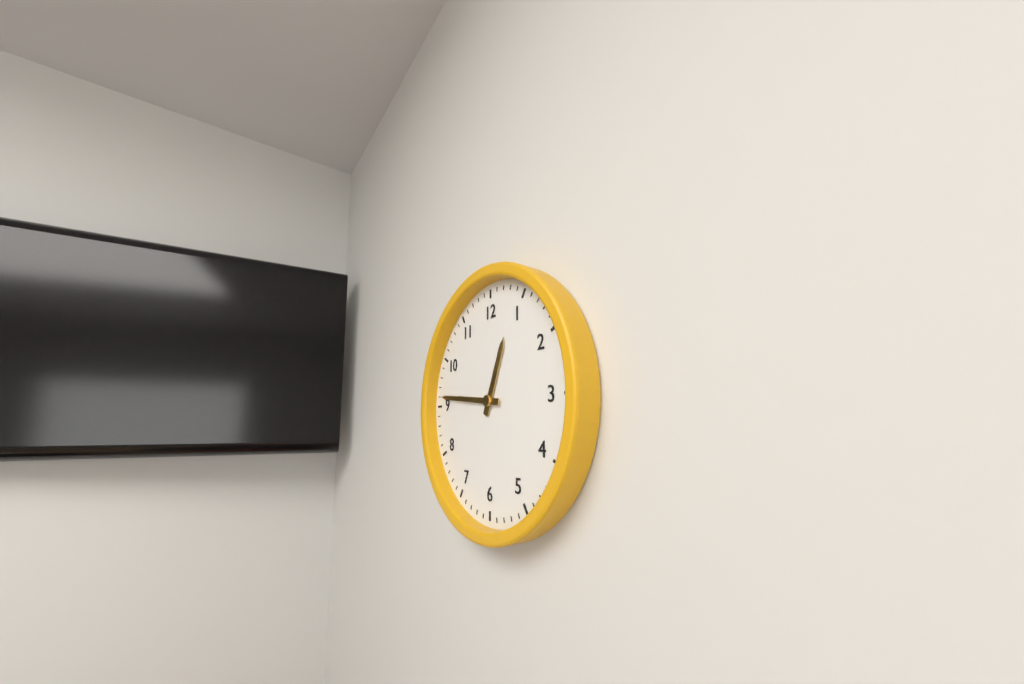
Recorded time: 12.46
